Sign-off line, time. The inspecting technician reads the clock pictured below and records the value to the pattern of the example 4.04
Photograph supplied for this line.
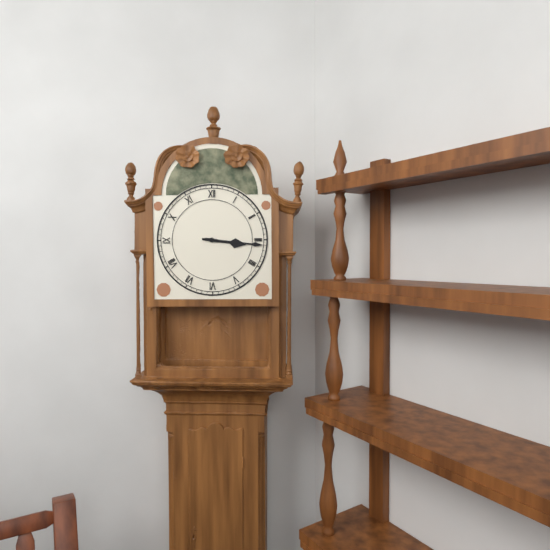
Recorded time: 3.16
